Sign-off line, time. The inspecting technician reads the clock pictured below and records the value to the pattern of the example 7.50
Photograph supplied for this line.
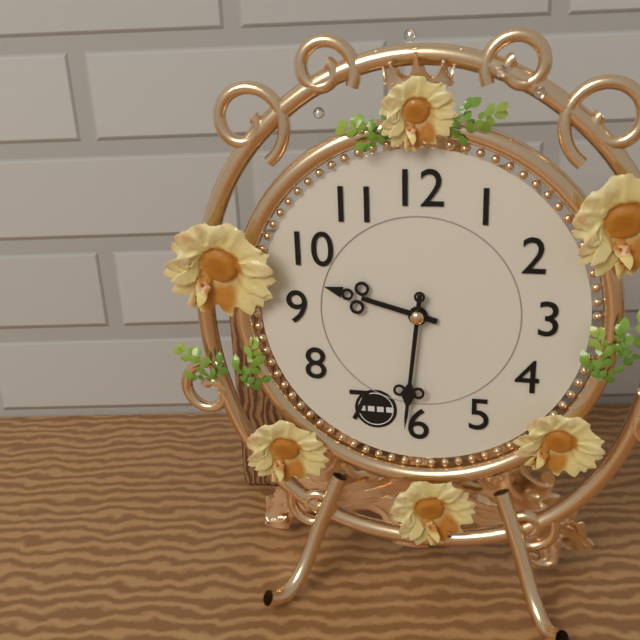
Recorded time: 9.31
